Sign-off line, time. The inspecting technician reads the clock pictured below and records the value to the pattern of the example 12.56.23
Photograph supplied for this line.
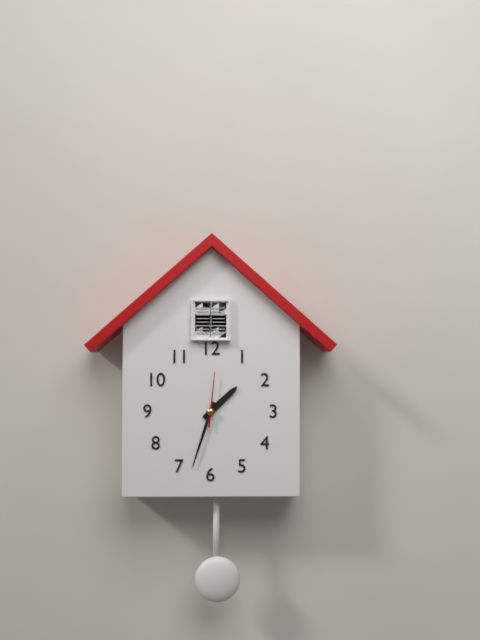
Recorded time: 1.33.01
